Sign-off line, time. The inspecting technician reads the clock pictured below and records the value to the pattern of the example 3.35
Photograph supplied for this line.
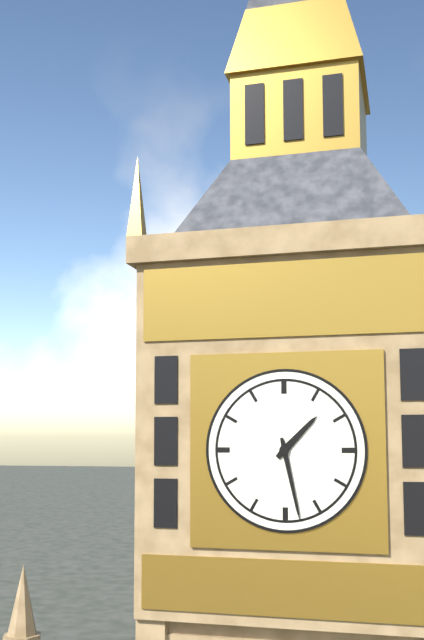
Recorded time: 1.28
